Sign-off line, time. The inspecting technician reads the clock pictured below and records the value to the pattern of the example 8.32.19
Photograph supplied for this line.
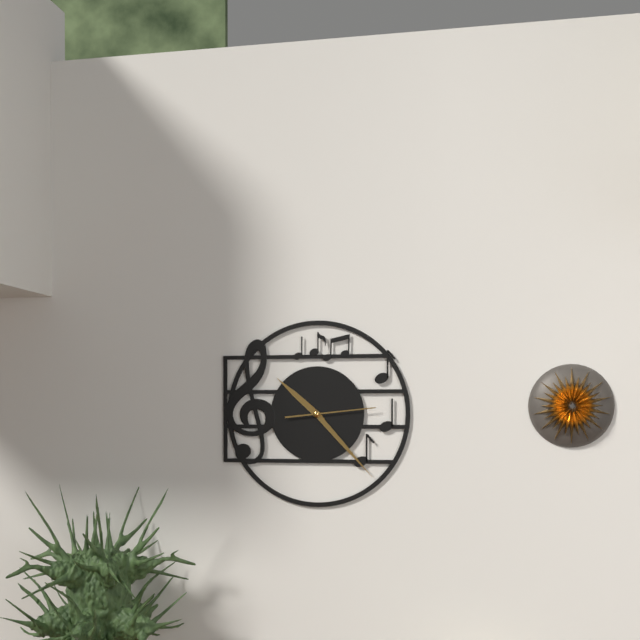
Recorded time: 10.23.14
